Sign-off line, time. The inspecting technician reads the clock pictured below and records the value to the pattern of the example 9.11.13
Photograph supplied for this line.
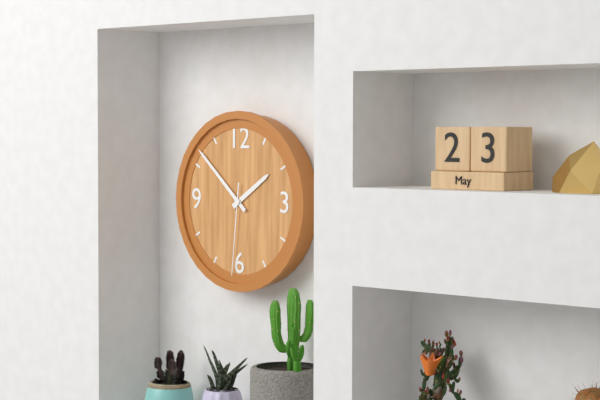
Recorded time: 1.52.31
